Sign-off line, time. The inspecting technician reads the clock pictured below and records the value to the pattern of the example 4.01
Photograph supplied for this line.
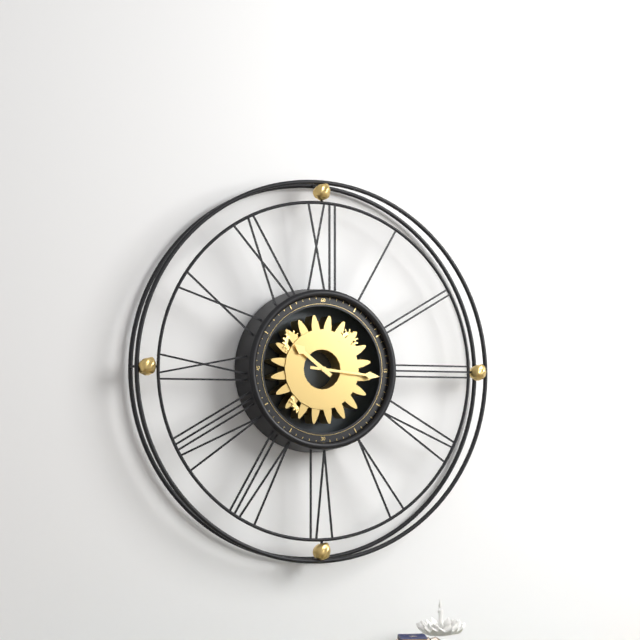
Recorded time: 10.16
